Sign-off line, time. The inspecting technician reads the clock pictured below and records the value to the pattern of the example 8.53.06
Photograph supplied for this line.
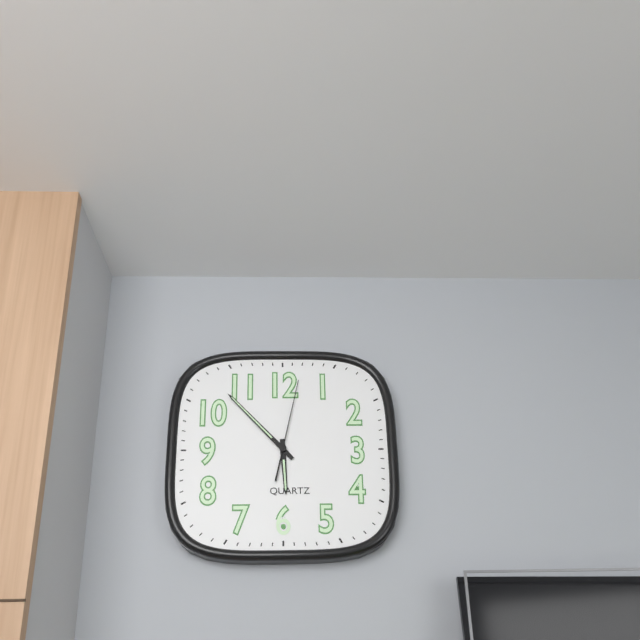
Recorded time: 5.53.02
